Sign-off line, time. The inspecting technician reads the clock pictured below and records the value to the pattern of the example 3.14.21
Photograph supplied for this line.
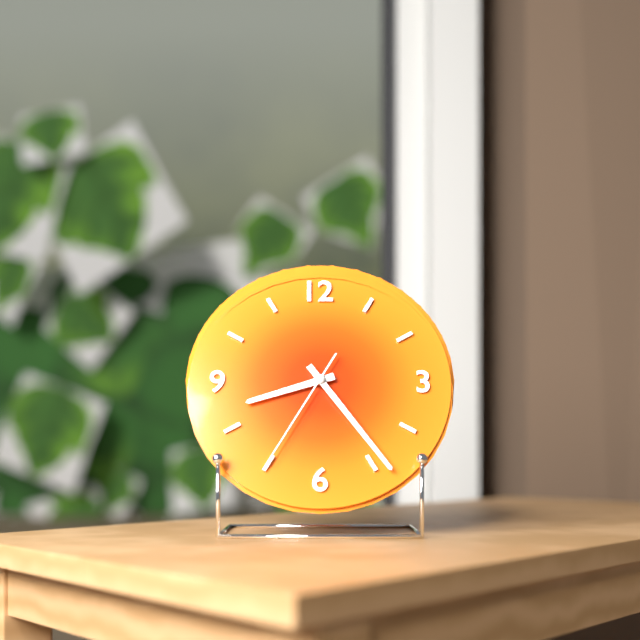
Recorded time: 8.24.35
